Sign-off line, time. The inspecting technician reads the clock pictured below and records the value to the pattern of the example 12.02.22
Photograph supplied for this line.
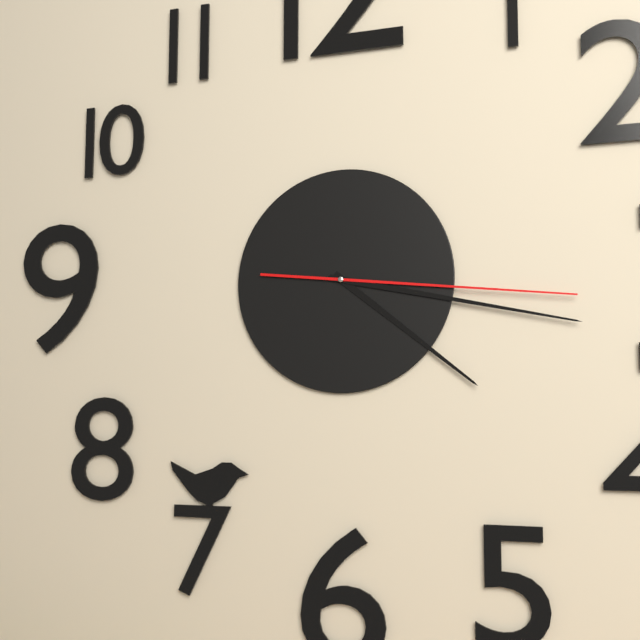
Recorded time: 4.17.16
